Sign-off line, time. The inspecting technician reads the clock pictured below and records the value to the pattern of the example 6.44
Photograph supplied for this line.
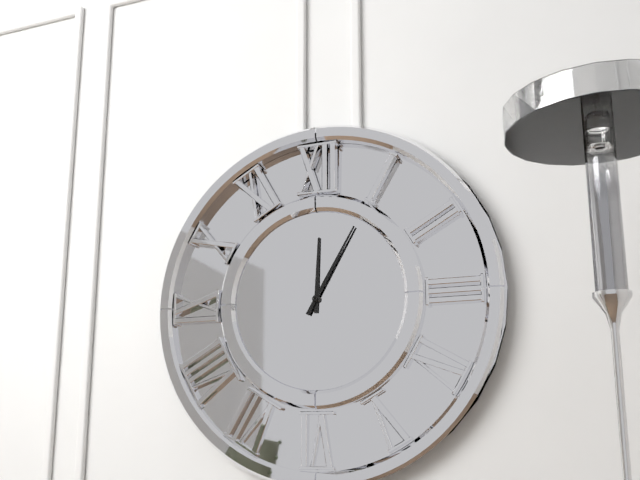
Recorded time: 12.05
